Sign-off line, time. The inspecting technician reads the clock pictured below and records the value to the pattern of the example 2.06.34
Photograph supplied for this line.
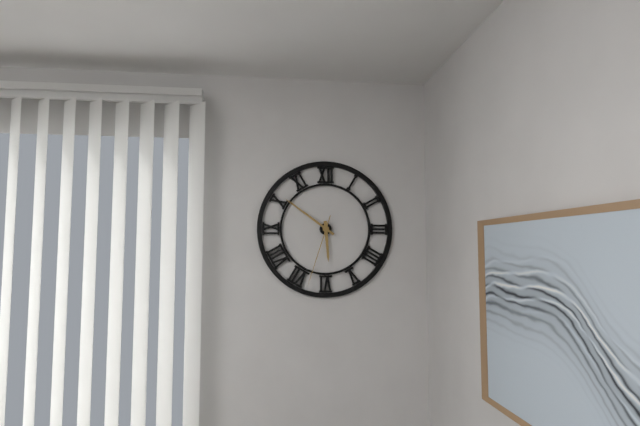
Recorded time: 5.51.33
